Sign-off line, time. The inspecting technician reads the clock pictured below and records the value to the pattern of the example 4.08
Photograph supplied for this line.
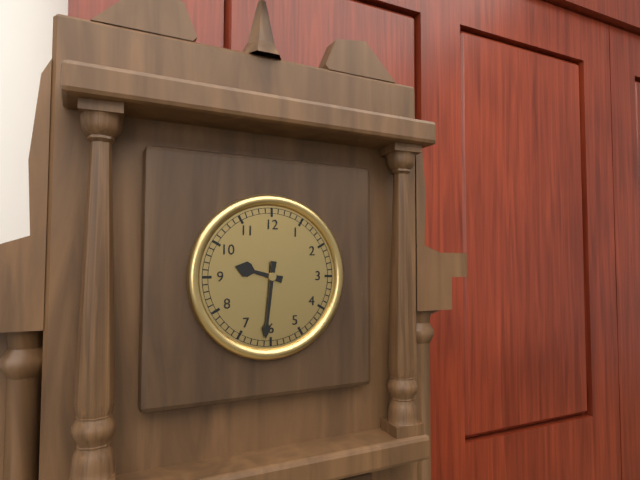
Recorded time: 9.31
